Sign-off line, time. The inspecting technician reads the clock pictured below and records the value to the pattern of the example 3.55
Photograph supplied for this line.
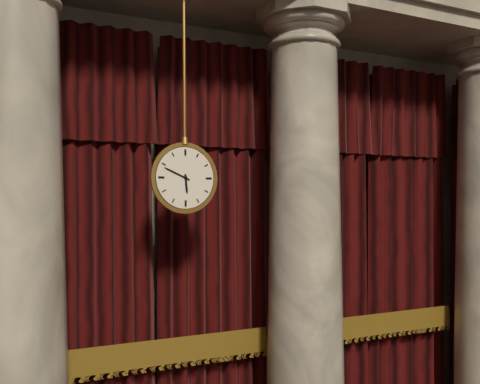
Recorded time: 5.49
